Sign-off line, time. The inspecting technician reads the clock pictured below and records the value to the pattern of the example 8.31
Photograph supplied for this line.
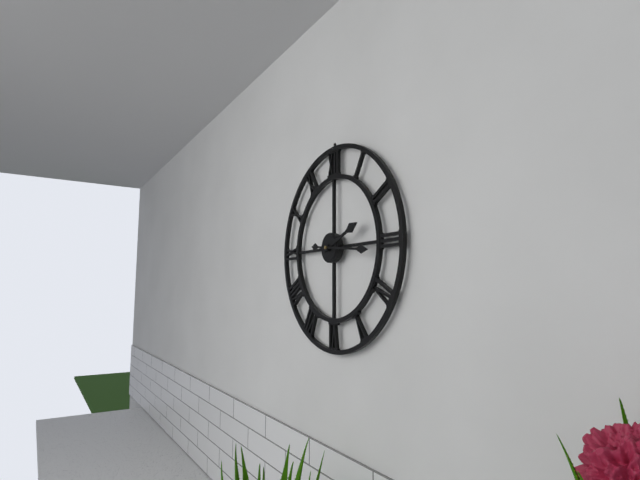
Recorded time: 2.16
